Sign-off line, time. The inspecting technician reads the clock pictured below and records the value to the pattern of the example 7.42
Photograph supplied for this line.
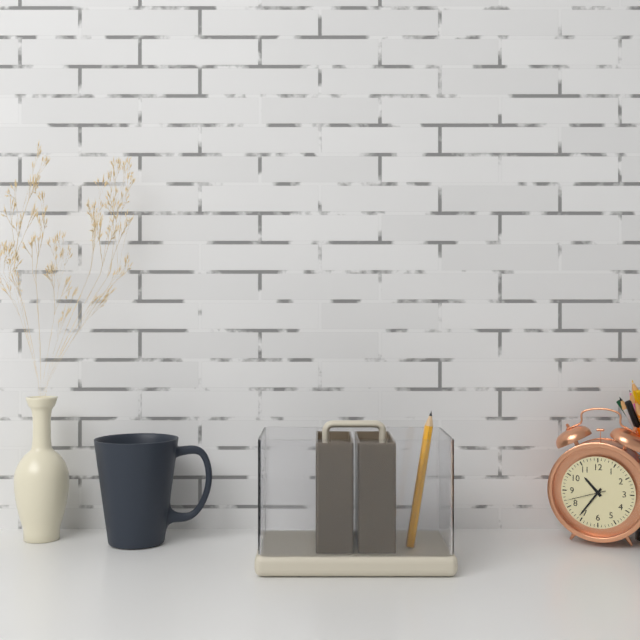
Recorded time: 10.36
